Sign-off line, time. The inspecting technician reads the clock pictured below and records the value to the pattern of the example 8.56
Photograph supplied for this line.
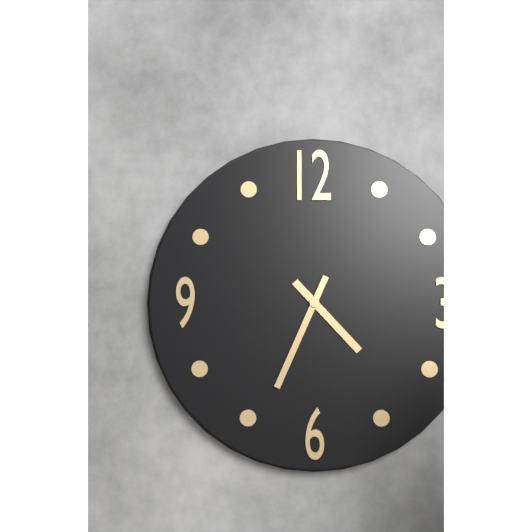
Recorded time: 4.34
